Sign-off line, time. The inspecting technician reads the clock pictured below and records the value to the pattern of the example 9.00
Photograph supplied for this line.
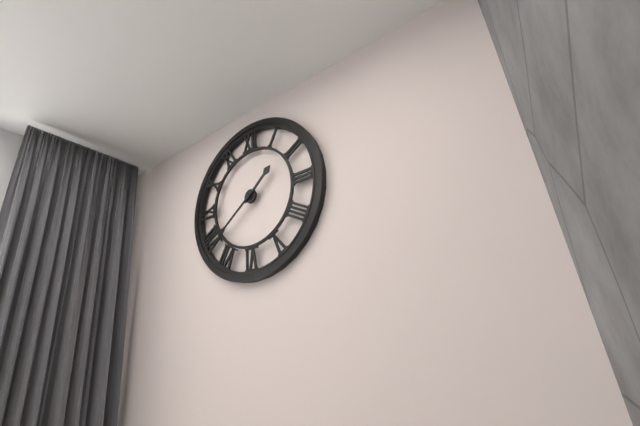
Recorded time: 1.39
